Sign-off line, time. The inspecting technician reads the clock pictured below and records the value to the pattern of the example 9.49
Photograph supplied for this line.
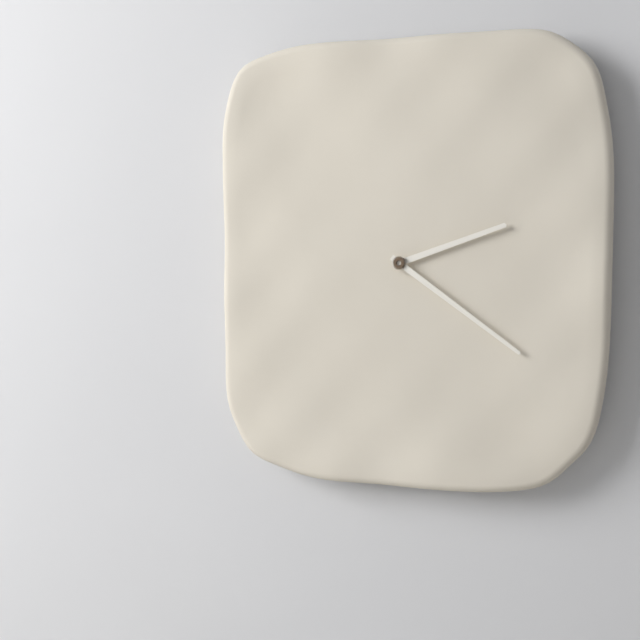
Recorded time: 2.21
